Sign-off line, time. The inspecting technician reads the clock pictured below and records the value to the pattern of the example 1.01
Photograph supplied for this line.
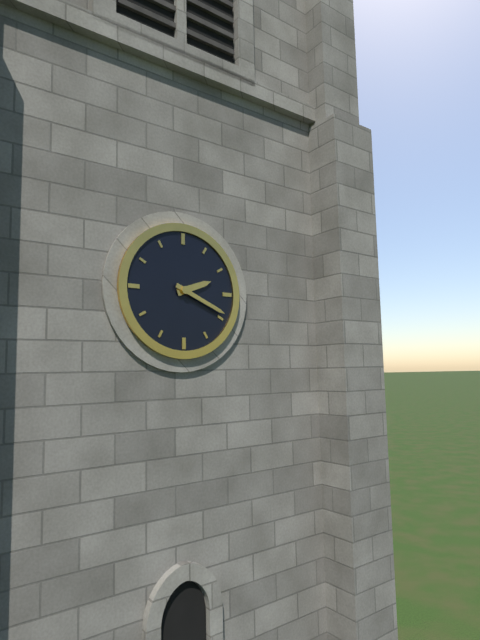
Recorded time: 2.19
